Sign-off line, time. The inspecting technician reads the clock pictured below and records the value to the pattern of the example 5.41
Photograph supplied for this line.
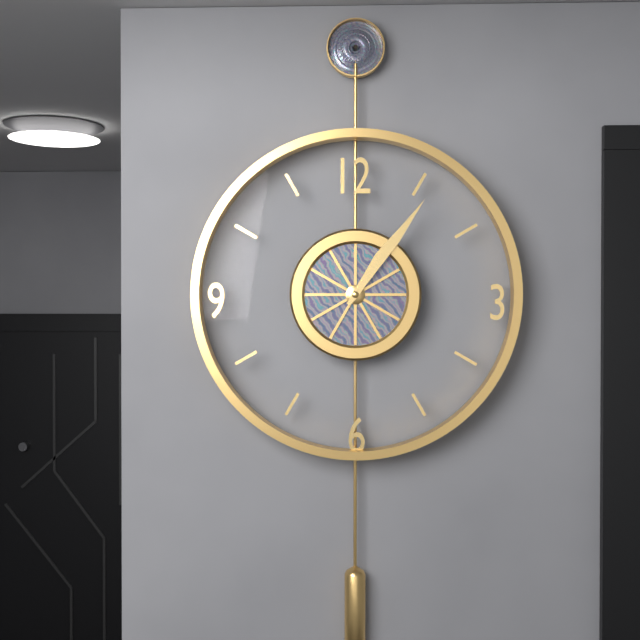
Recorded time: 1.06
